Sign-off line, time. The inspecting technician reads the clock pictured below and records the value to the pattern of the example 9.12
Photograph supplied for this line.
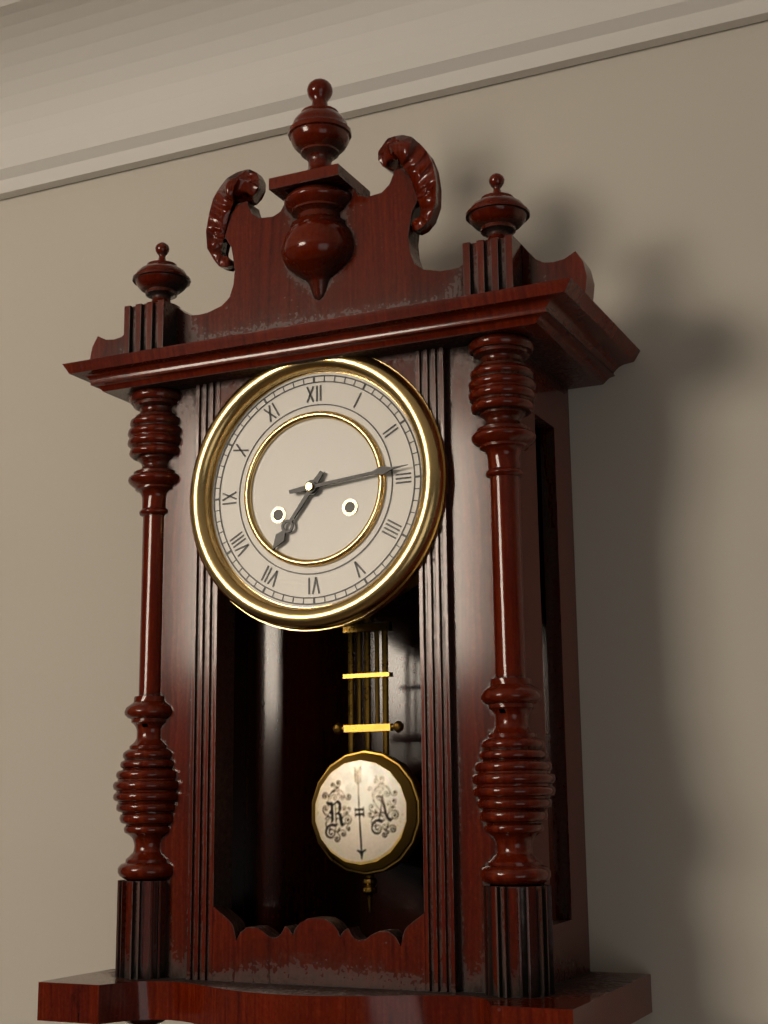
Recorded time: 7.14
